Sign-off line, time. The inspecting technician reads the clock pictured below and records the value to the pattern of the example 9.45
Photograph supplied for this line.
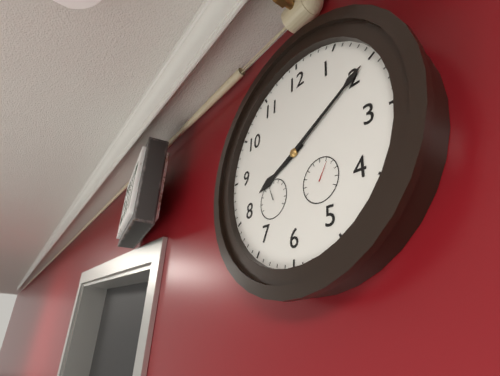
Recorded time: 8.10
